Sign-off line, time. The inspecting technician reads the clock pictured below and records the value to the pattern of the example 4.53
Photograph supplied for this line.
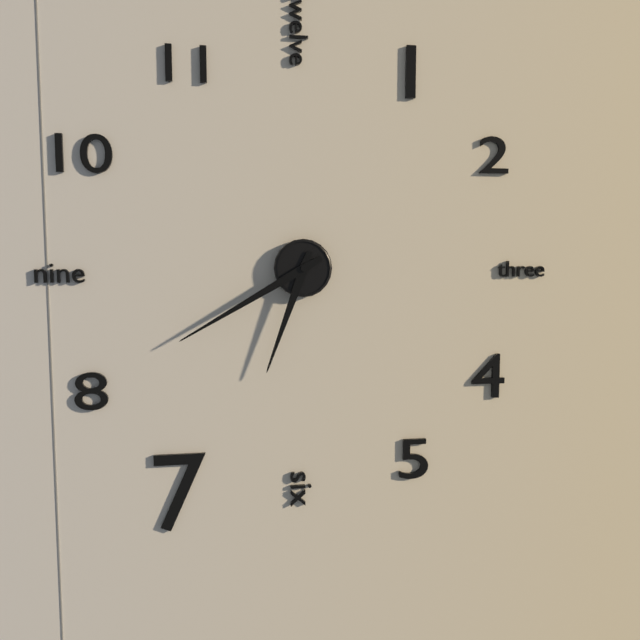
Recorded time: 6.40
